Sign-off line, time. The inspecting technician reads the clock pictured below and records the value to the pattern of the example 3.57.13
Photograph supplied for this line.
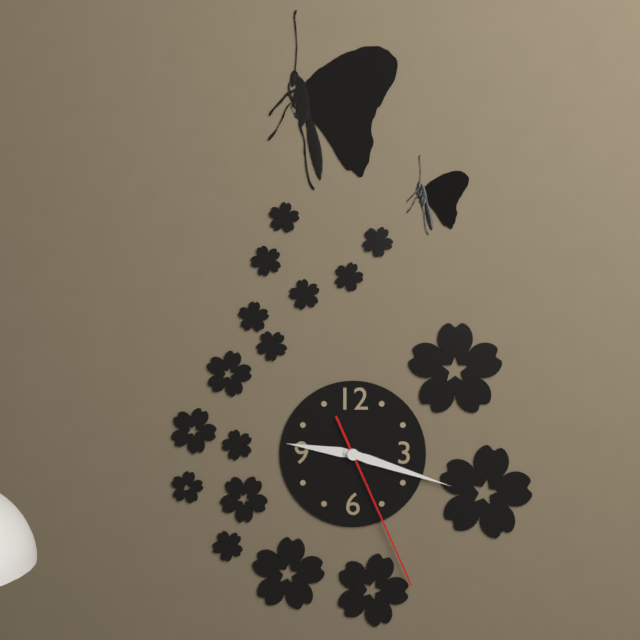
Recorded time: 9.18.26
